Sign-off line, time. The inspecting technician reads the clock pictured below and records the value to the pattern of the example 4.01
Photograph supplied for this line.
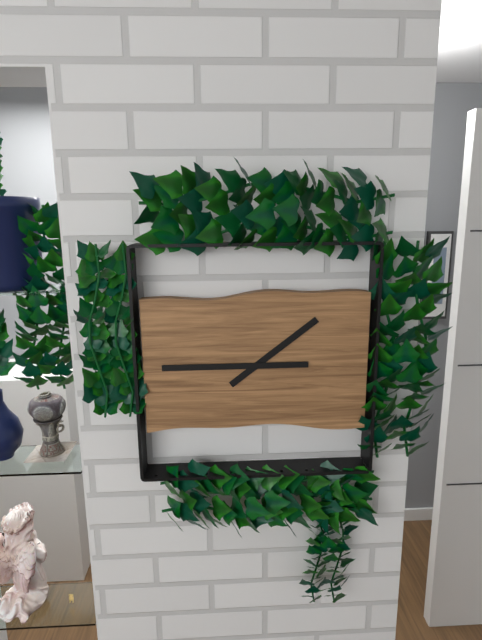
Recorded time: 1.45
